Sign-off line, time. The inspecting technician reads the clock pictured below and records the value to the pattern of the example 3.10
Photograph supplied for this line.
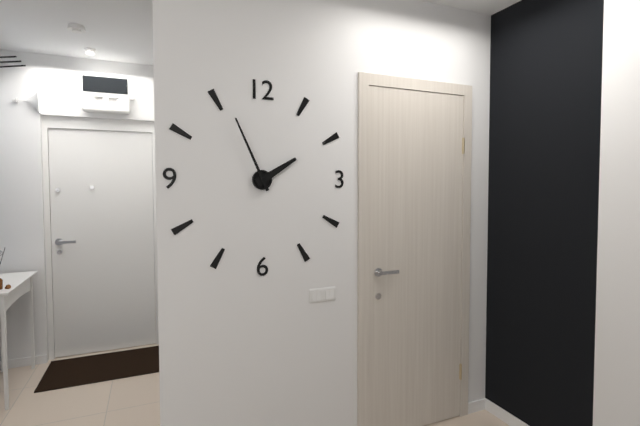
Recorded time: 1.56
